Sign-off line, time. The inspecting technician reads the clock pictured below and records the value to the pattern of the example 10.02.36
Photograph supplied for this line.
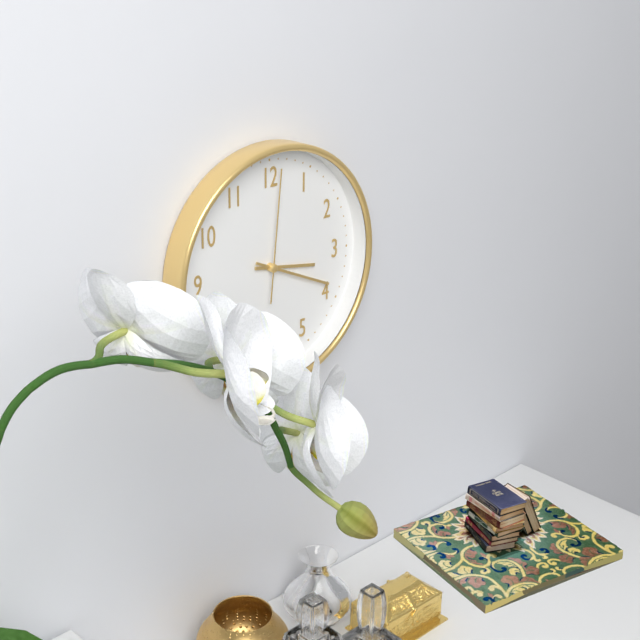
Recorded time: 3.19.01
